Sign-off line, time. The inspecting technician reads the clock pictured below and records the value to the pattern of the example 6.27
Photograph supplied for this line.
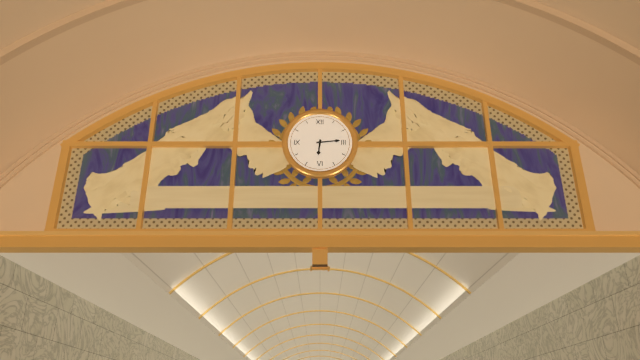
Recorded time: 6.14
